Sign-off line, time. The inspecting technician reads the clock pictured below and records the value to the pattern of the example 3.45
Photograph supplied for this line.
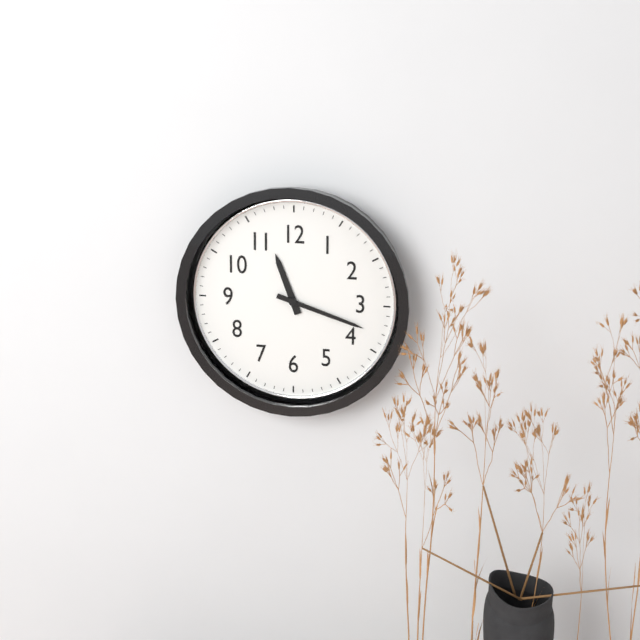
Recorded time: 11.18
